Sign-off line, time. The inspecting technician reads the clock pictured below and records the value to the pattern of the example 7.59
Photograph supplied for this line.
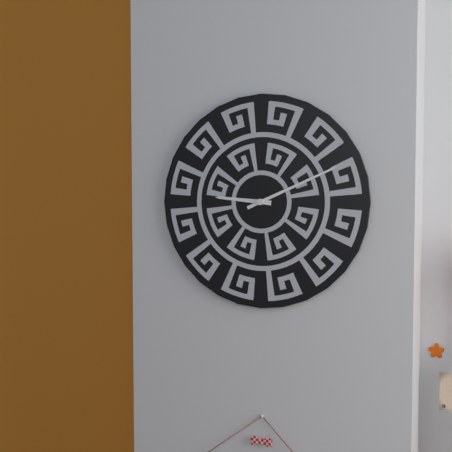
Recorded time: 9.11
